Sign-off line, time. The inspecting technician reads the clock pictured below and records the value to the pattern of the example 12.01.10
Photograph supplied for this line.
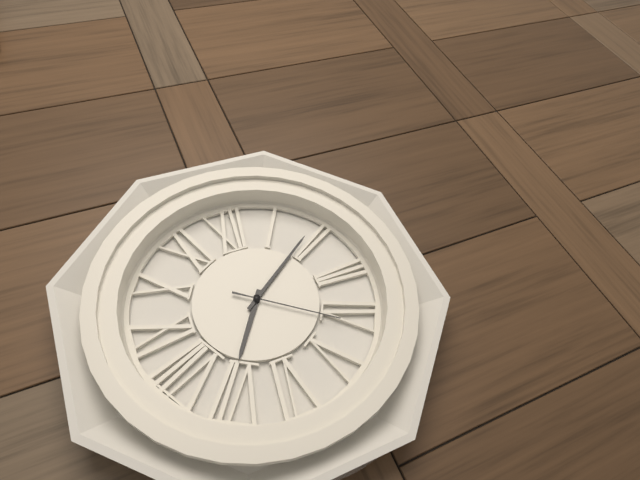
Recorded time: 7.09.21
